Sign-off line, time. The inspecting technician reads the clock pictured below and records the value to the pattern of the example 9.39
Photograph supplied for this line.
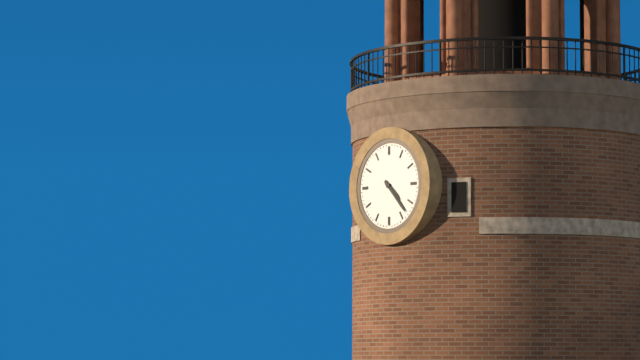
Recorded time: 4.23
